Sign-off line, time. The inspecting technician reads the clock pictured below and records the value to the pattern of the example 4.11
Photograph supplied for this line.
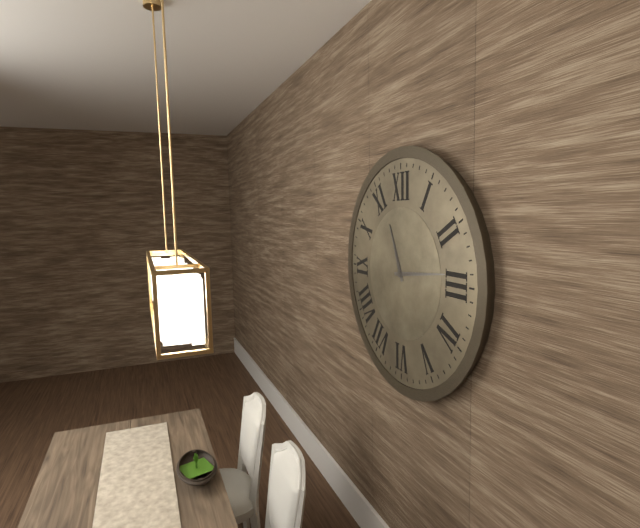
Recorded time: 11.14
